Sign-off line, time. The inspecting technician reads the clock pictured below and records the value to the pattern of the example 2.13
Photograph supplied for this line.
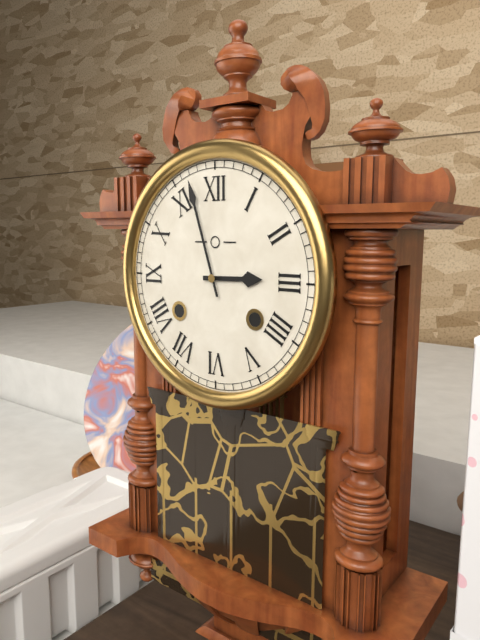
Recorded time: 2.57
